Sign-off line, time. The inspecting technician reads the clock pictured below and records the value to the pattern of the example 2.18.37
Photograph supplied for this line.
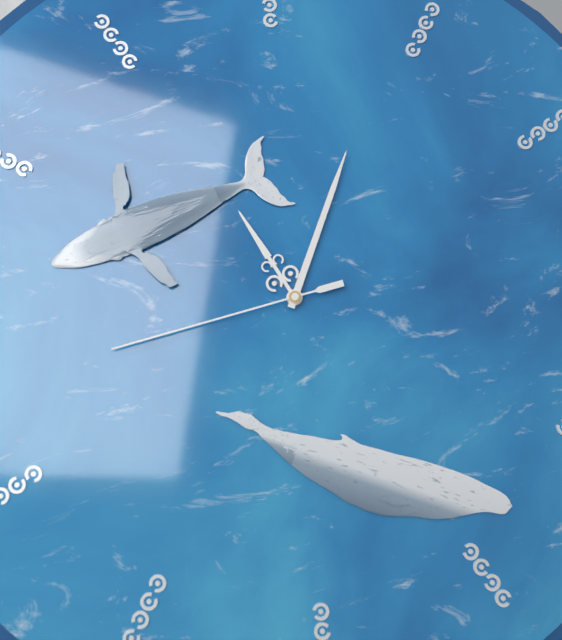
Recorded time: 11.04.43
